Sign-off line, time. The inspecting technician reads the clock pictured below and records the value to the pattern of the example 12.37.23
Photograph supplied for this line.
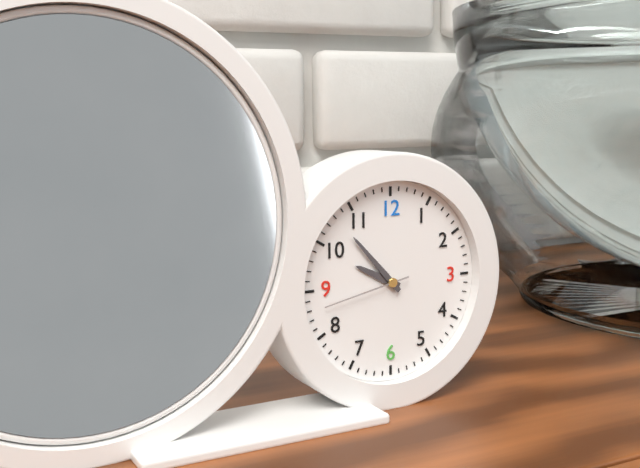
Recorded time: 9.53.43
